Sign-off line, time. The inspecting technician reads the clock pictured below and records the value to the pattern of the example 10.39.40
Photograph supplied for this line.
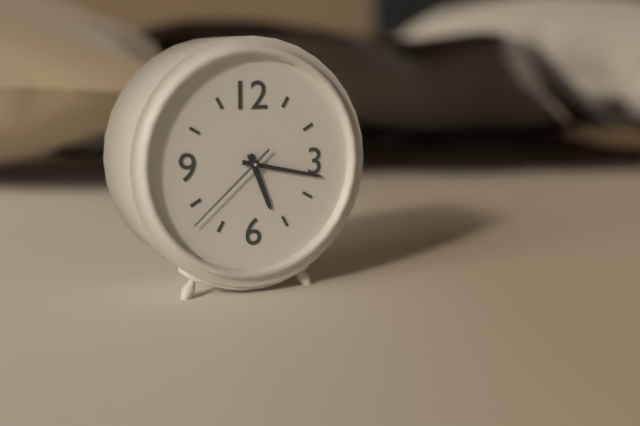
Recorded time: 5.17.38
